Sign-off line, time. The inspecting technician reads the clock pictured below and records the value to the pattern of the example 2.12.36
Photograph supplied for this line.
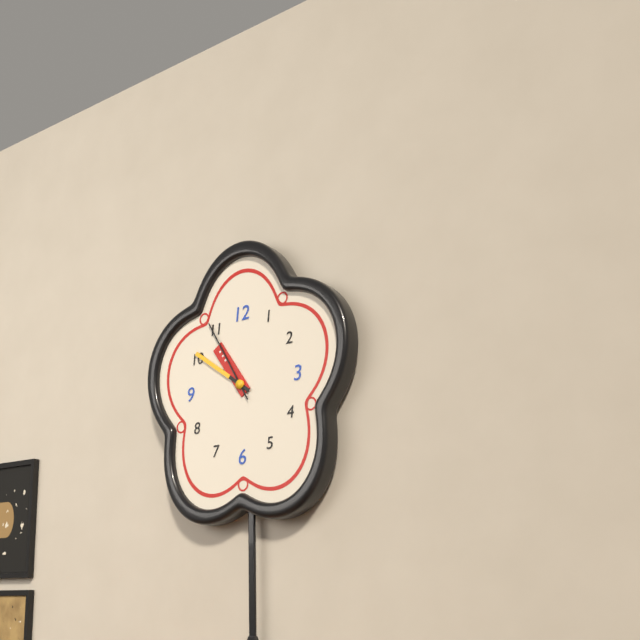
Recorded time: 10.51.55
